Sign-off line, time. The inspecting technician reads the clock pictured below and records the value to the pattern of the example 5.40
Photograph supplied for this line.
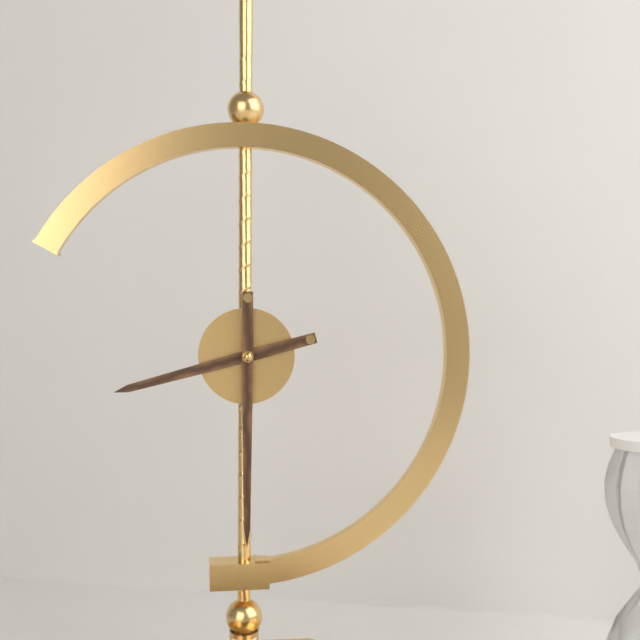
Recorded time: 8.30
